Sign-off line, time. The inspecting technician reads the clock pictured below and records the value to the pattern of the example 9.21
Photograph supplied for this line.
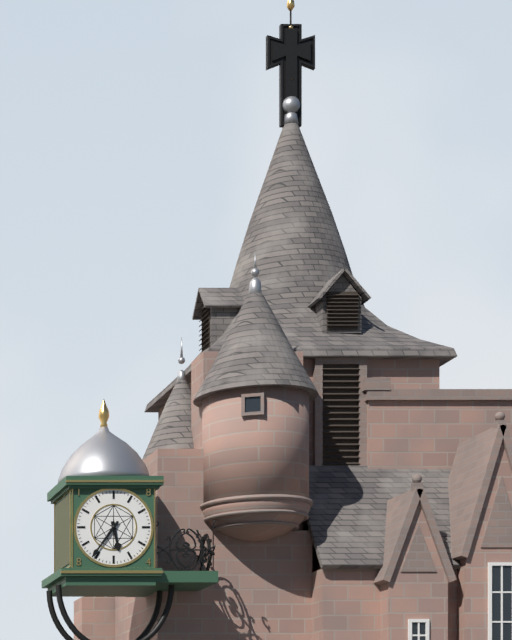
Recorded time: 5.36
